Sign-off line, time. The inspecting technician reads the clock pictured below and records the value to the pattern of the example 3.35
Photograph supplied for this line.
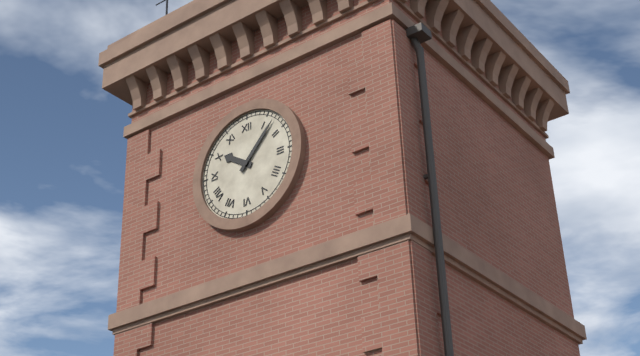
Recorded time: 10.07
